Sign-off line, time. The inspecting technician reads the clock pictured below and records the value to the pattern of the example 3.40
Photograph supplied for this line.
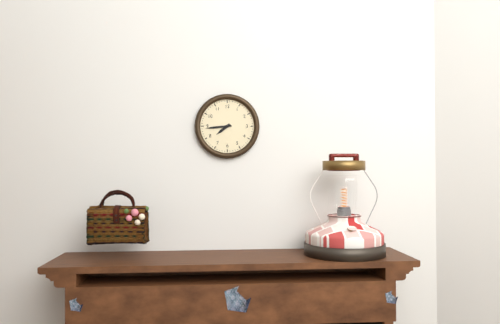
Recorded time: 7.44
